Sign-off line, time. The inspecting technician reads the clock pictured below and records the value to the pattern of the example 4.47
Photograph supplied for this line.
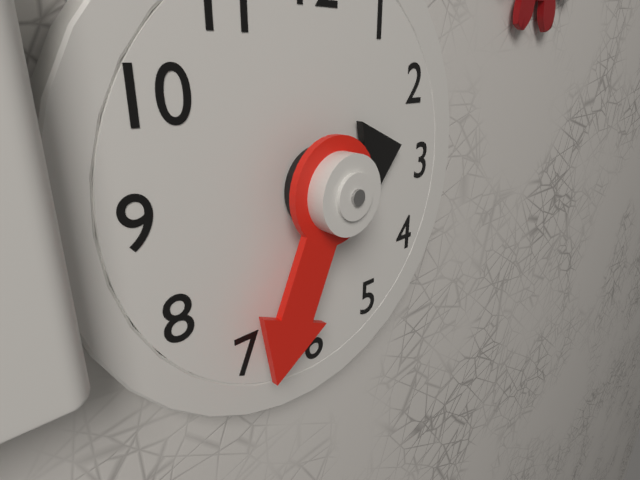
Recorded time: 2.34
